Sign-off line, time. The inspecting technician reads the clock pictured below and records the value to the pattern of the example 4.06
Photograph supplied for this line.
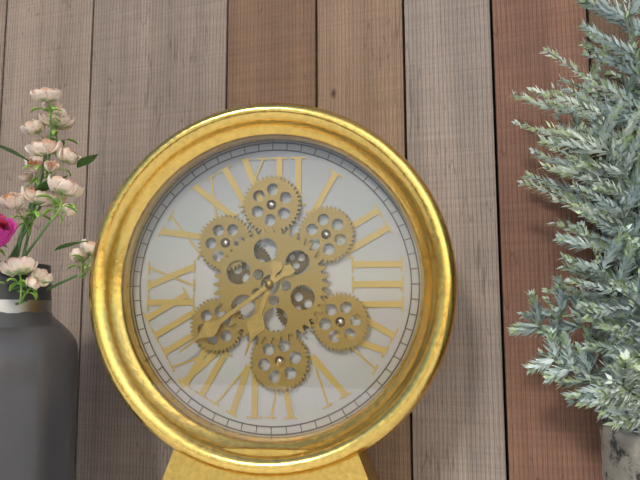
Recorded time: 6.39
